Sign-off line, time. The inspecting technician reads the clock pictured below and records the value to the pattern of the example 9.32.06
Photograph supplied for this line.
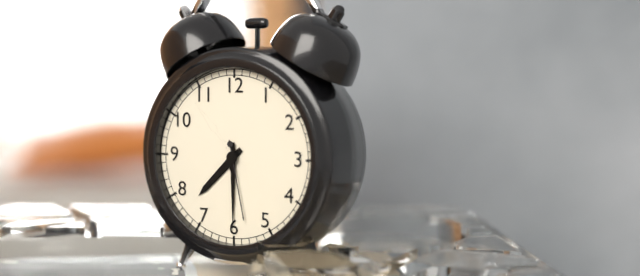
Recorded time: 7.30.28
